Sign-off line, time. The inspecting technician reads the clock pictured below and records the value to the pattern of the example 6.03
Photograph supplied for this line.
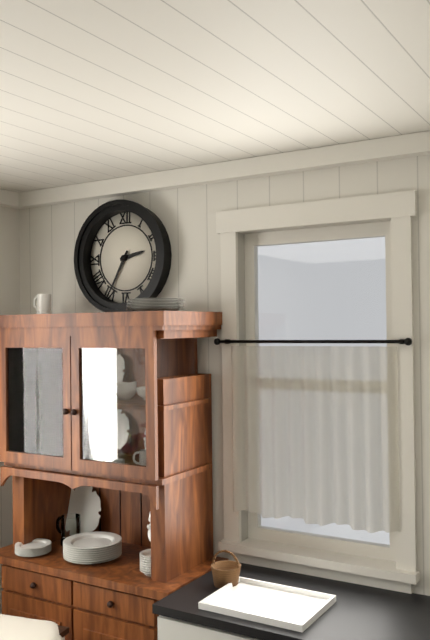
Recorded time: 2.35
